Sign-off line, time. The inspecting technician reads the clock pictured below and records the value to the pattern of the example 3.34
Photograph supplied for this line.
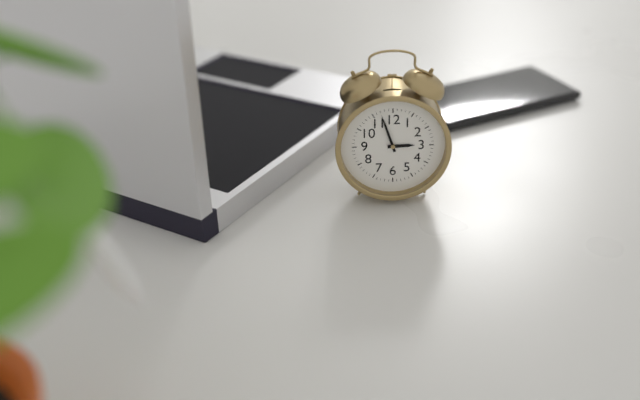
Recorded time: 2.57
